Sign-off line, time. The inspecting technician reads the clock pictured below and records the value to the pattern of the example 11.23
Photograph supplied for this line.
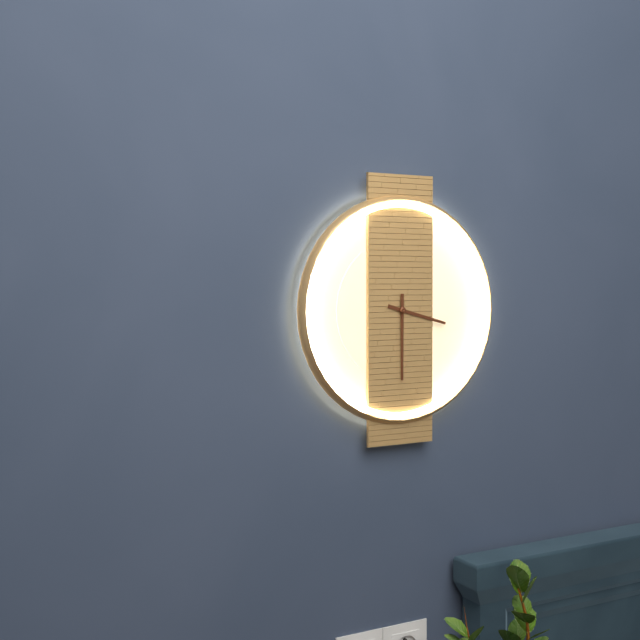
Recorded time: 3.30
